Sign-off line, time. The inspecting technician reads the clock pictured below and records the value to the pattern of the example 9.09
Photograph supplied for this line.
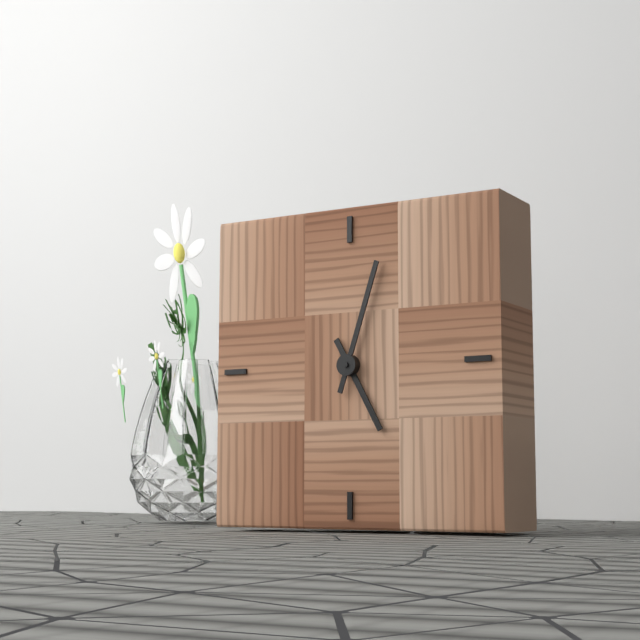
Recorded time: 5.03
